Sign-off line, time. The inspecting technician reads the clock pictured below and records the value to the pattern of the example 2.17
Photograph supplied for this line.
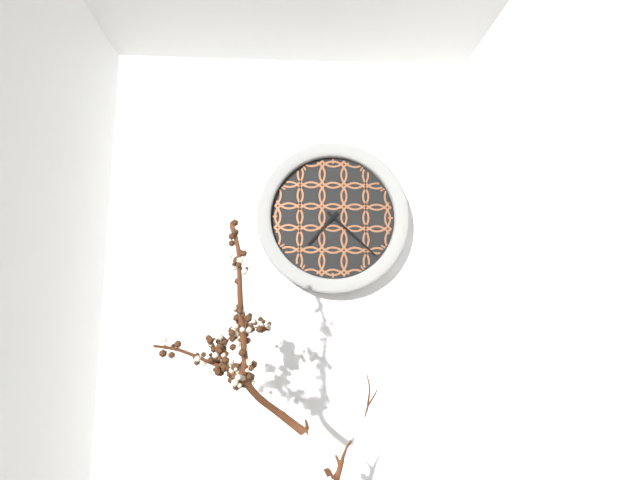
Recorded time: 7.22
